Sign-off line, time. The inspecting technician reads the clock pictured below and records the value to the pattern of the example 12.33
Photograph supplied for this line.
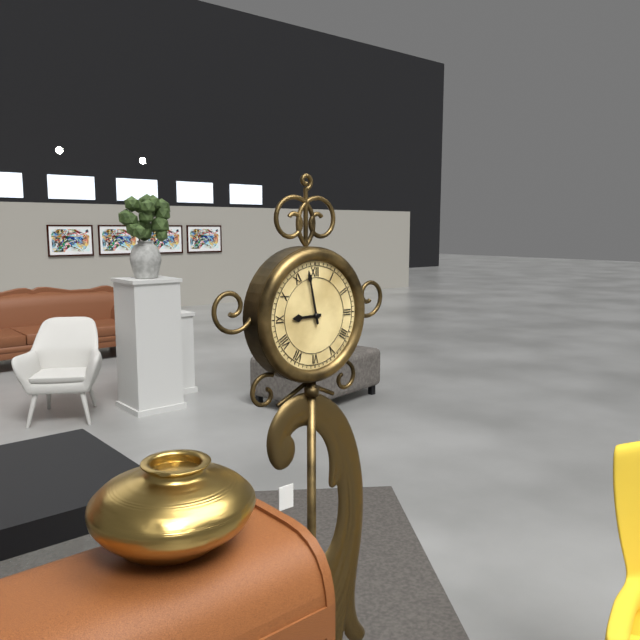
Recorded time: 8.58
